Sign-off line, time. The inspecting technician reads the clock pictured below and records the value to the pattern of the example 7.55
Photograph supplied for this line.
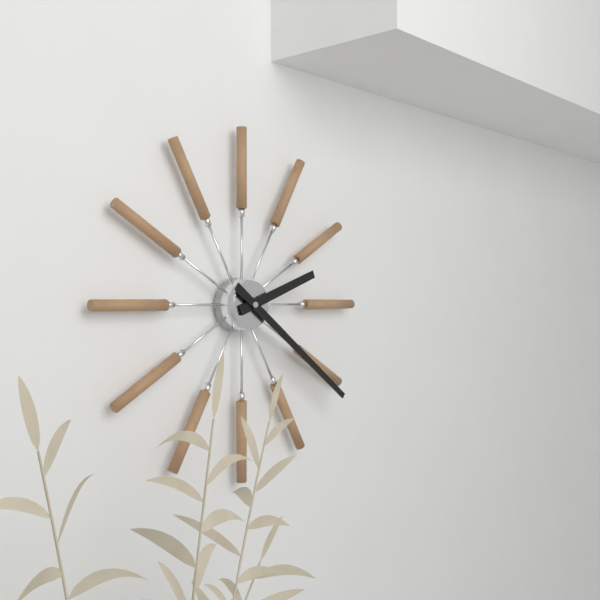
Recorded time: 2.21
